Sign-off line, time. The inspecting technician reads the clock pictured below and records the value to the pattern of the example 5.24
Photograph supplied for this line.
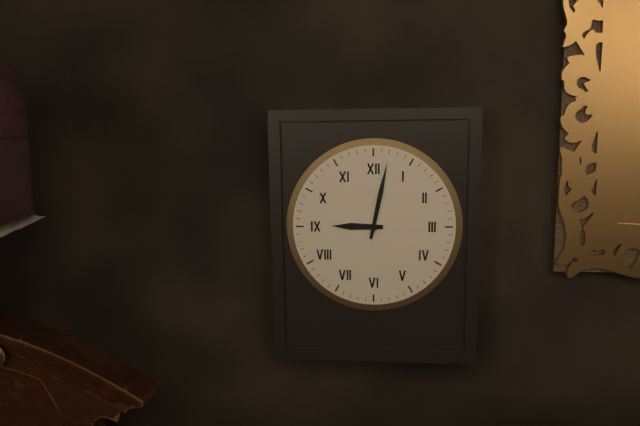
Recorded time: 9.02
